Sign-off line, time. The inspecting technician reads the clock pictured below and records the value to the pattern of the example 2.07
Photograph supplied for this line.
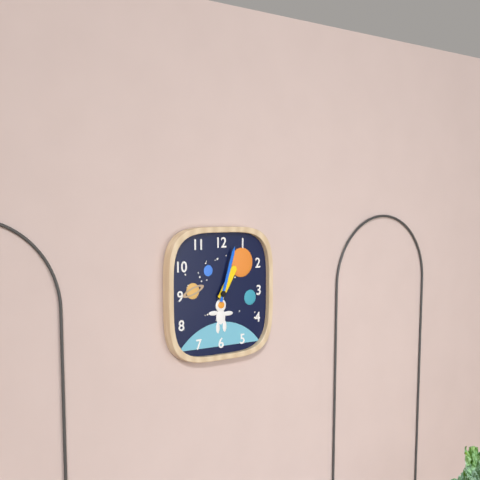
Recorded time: 1.03
